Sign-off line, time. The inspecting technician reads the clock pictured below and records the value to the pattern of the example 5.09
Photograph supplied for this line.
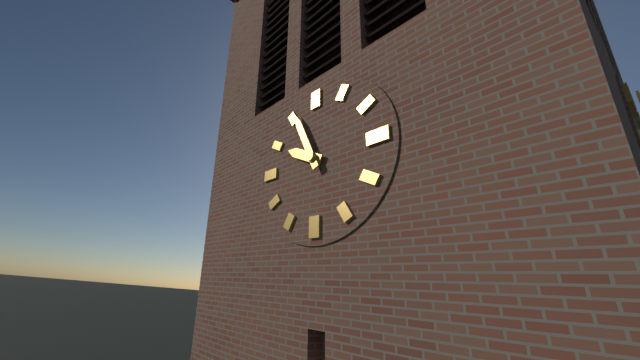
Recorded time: 9.56
